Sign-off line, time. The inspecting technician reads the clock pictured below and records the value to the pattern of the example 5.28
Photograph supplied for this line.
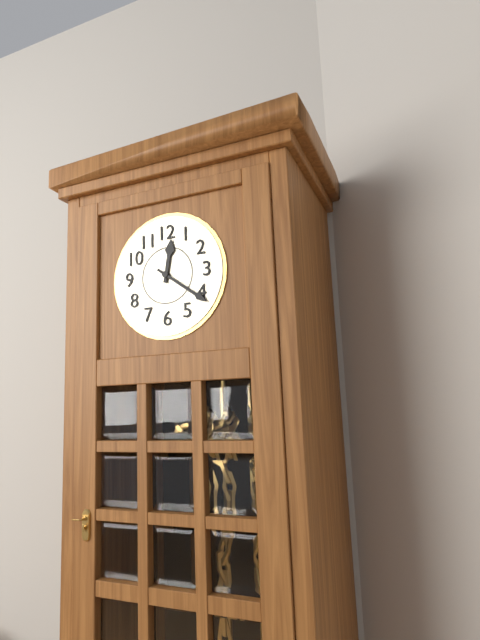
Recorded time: 12.21
